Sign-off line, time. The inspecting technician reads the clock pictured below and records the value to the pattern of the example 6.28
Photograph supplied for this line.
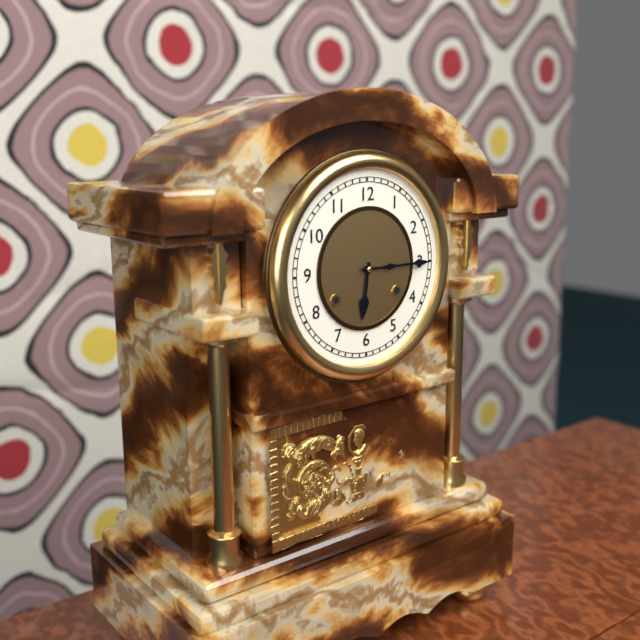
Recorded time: 6.15
